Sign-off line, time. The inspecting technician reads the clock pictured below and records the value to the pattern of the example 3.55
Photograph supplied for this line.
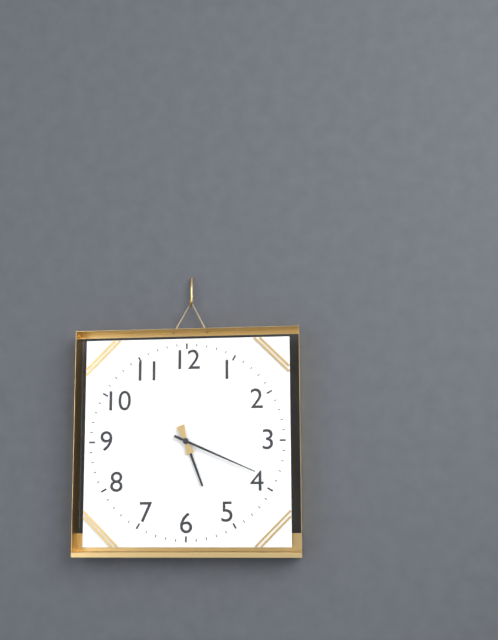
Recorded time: 5.19
